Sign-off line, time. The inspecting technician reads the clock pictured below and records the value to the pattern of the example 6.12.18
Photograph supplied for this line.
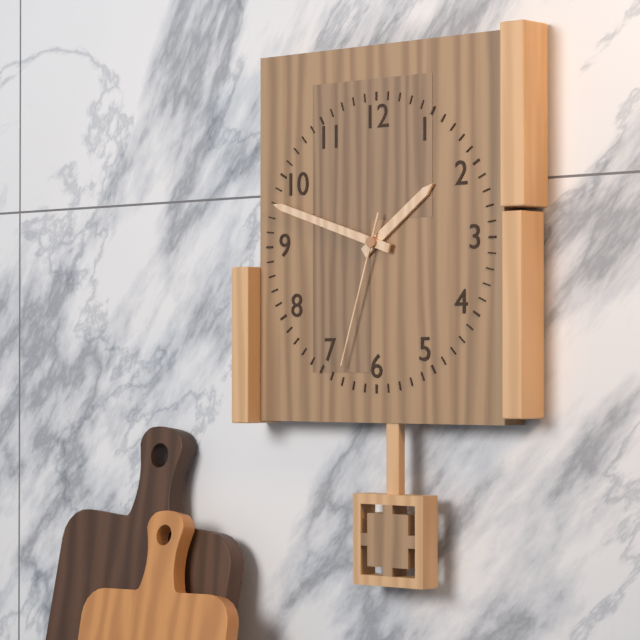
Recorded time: 1.48.33
